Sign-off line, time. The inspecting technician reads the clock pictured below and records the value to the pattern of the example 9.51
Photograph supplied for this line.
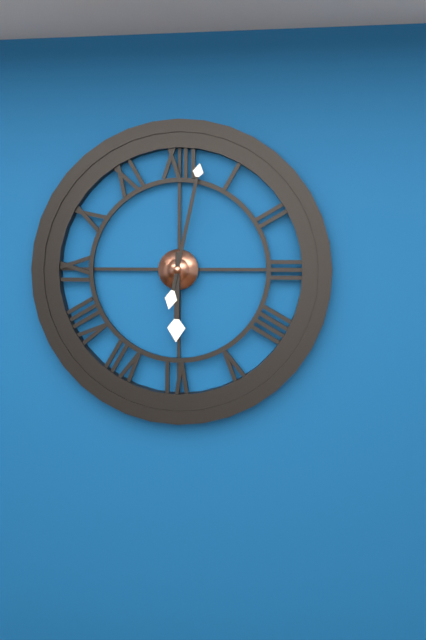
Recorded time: 6.02
